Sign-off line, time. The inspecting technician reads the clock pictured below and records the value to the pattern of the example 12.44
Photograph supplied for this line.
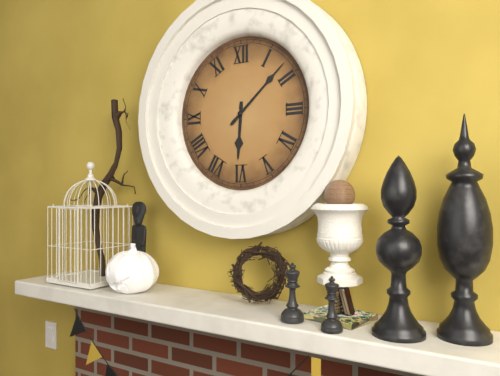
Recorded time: 6.08
